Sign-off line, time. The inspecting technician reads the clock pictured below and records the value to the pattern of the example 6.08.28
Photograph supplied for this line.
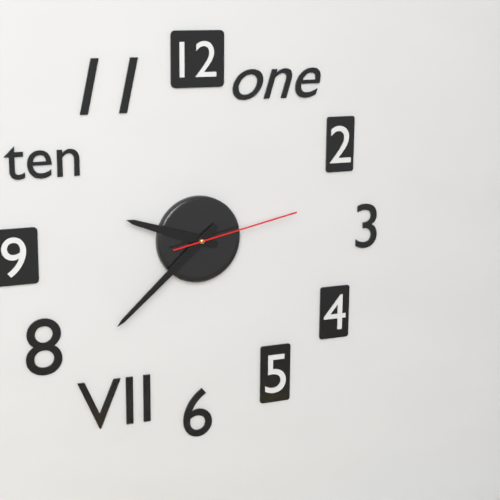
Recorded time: 9.38.13
